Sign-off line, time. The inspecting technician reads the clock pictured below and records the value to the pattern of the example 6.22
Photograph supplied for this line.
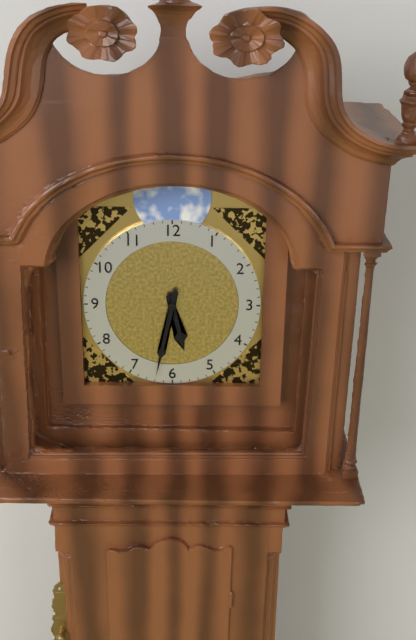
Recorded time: 5.32
